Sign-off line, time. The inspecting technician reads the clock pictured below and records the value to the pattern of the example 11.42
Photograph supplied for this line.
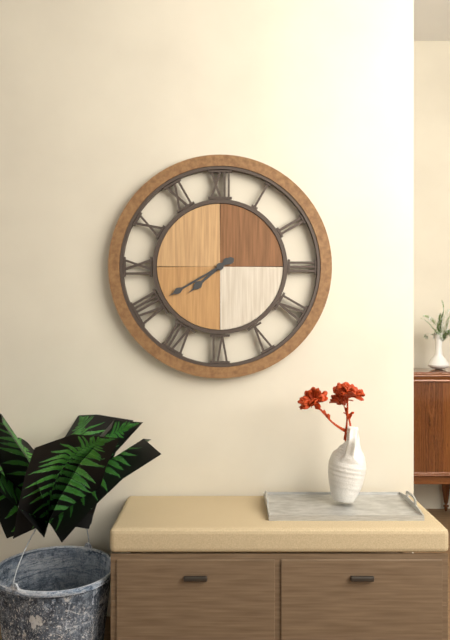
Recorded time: 7.40
